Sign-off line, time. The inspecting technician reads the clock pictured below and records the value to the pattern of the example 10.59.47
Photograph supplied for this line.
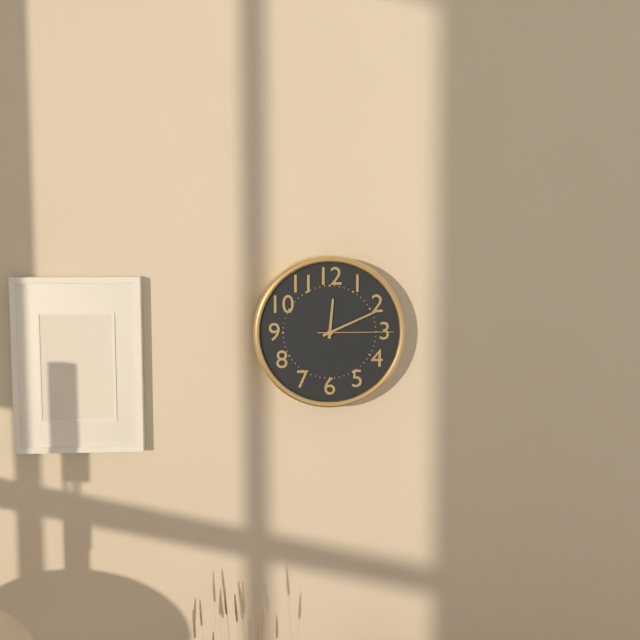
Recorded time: 12.11.15
